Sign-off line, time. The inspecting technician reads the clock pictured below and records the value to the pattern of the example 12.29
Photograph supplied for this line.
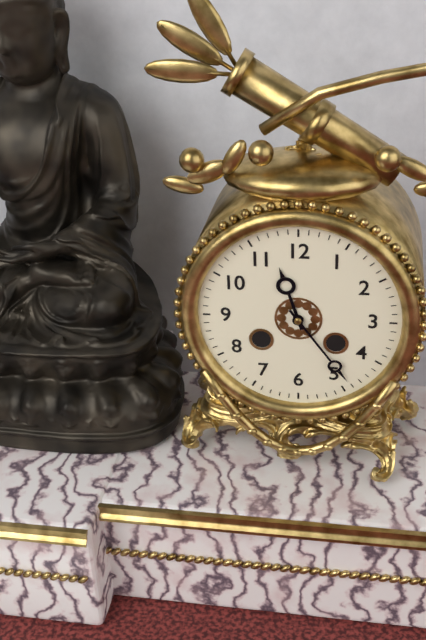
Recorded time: 11.24
